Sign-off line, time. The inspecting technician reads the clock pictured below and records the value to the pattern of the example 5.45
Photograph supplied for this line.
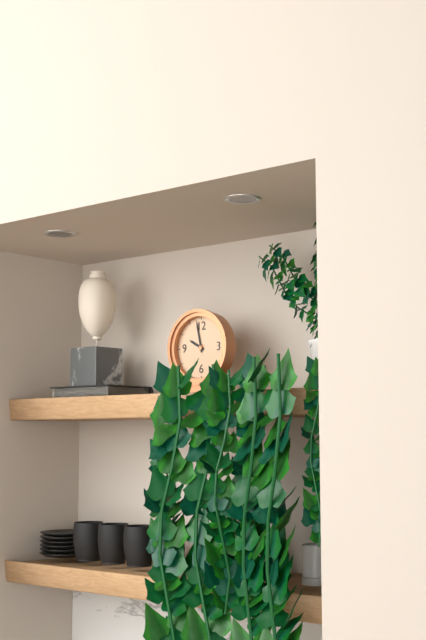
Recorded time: 9.58
